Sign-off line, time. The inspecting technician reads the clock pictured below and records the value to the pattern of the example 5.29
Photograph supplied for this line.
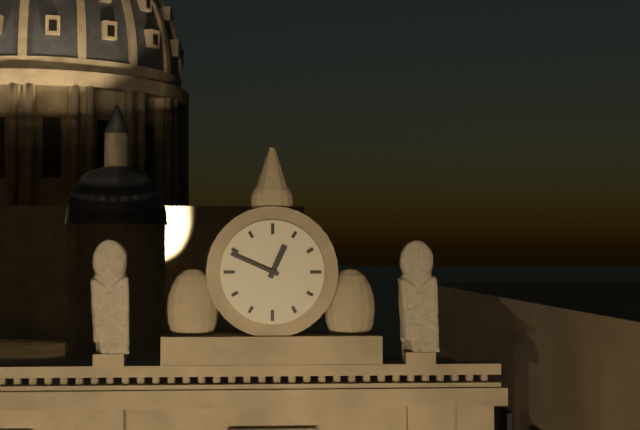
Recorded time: 12.49
